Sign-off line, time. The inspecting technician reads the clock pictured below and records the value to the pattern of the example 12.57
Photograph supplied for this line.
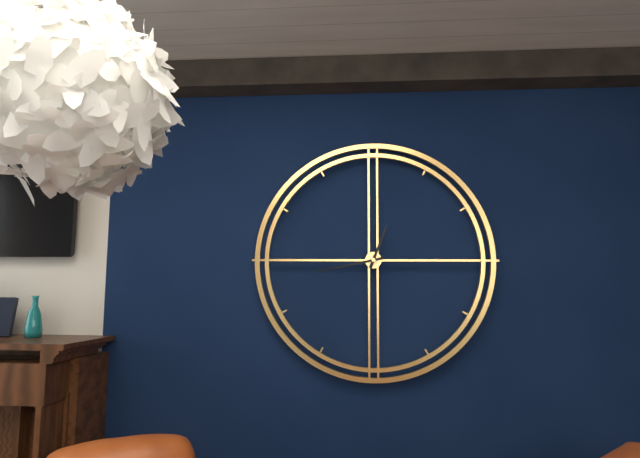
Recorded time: 12.43
